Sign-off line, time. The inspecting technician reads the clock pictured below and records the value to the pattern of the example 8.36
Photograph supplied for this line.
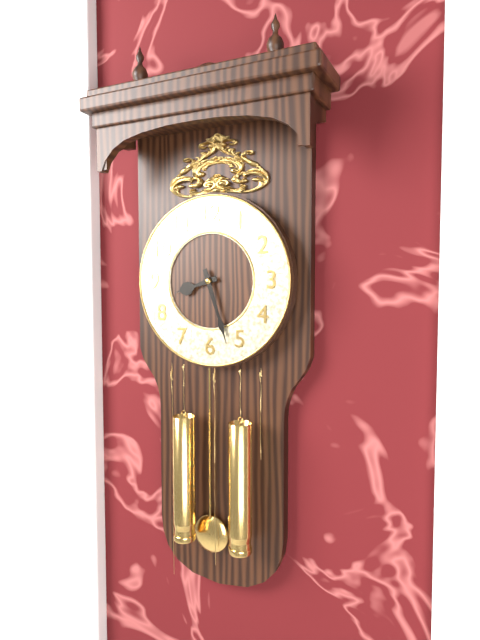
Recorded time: 8.27
